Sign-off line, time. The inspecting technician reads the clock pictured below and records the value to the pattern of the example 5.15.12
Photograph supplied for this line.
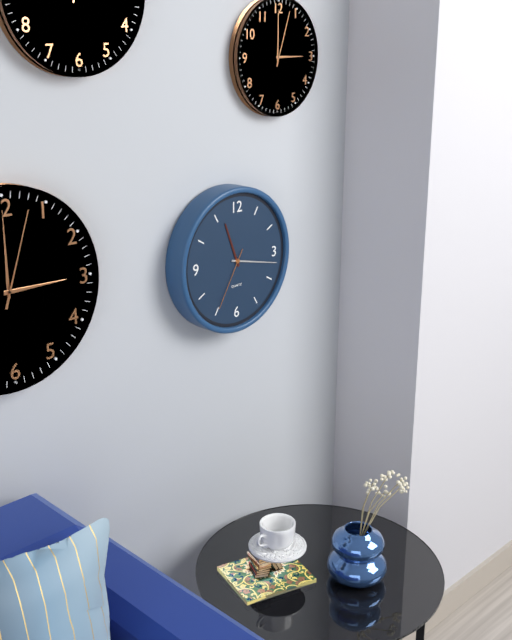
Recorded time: 11.17.35
